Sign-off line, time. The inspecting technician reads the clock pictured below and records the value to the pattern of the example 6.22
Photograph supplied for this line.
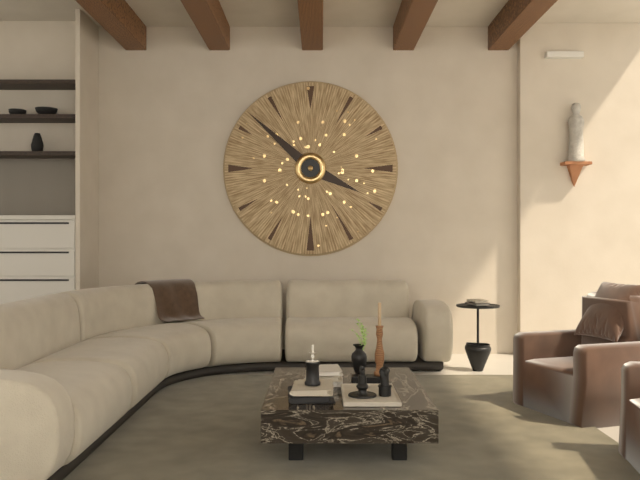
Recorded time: 3.52
